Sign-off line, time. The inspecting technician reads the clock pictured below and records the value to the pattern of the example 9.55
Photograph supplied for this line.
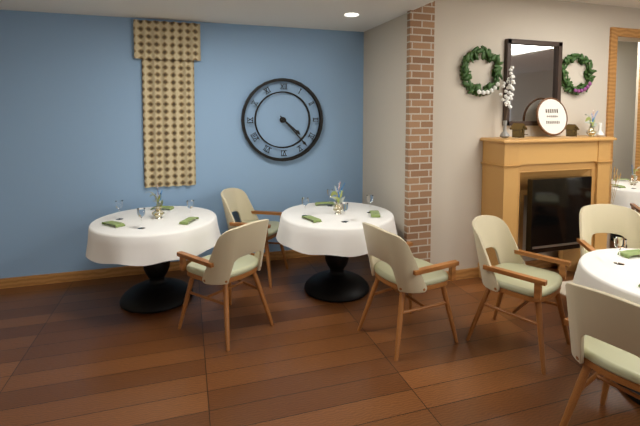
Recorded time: 4.23
